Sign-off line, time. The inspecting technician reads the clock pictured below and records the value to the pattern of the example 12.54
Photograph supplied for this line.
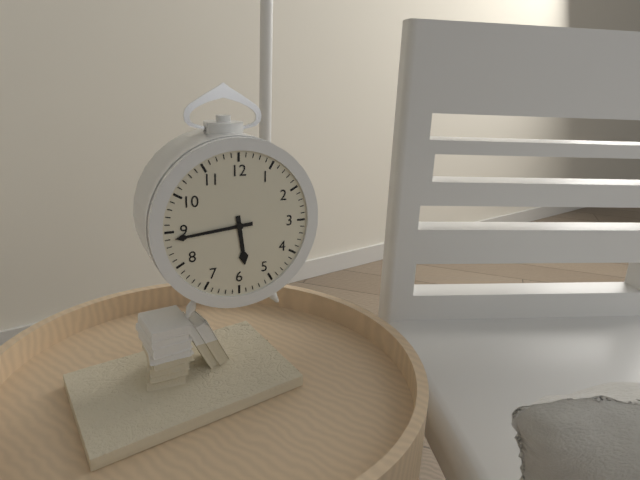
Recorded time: 5.44
